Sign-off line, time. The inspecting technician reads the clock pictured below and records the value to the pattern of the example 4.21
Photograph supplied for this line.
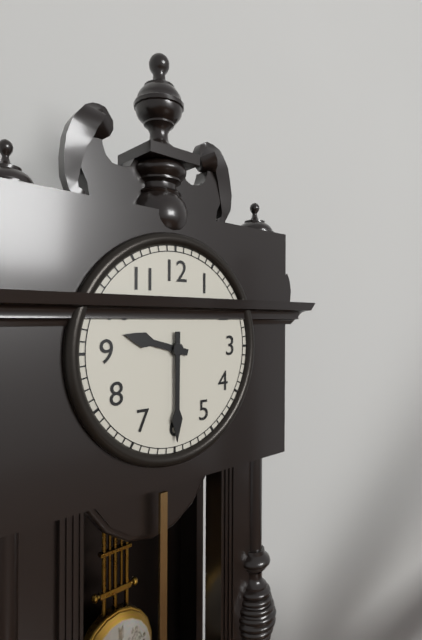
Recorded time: 9.30
